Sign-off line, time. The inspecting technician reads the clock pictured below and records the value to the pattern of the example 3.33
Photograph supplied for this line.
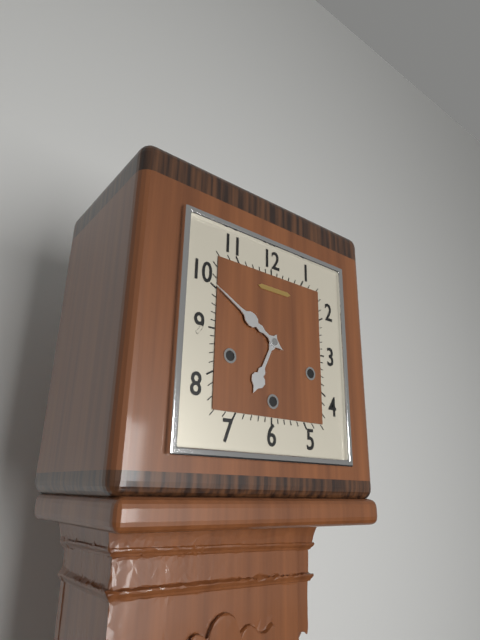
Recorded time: 6.50
